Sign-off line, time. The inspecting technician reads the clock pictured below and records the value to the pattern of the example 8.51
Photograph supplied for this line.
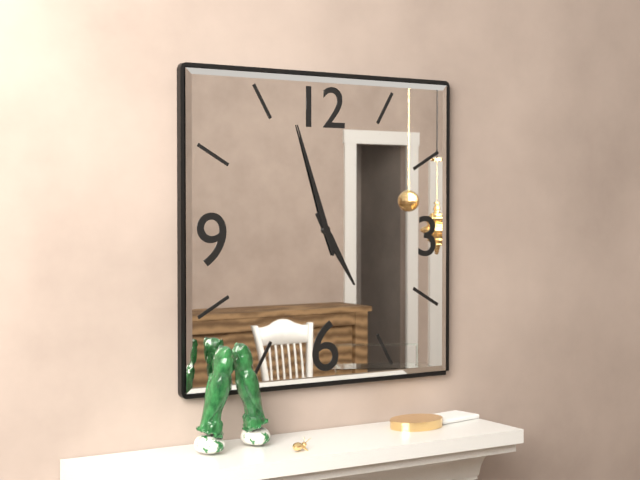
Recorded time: 4.57
